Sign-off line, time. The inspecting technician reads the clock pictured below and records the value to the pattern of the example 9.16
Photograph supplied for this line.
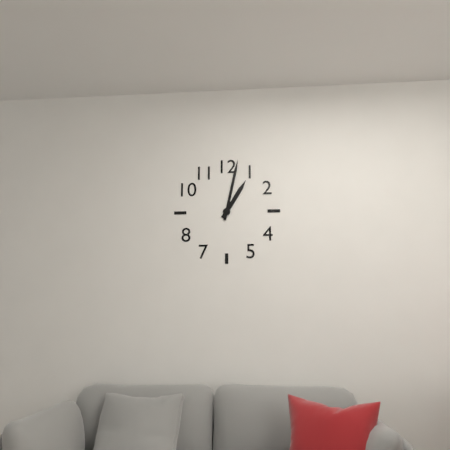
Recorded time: 1.02
